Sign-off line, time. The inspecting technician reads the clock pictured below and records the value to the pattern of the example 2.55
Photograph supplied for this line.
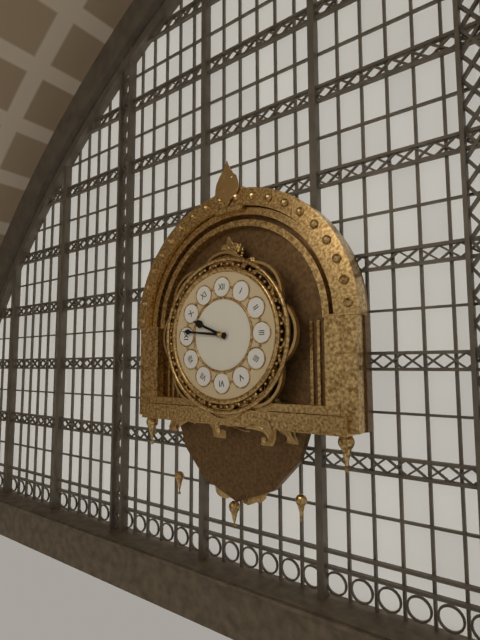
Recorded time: 9.46
